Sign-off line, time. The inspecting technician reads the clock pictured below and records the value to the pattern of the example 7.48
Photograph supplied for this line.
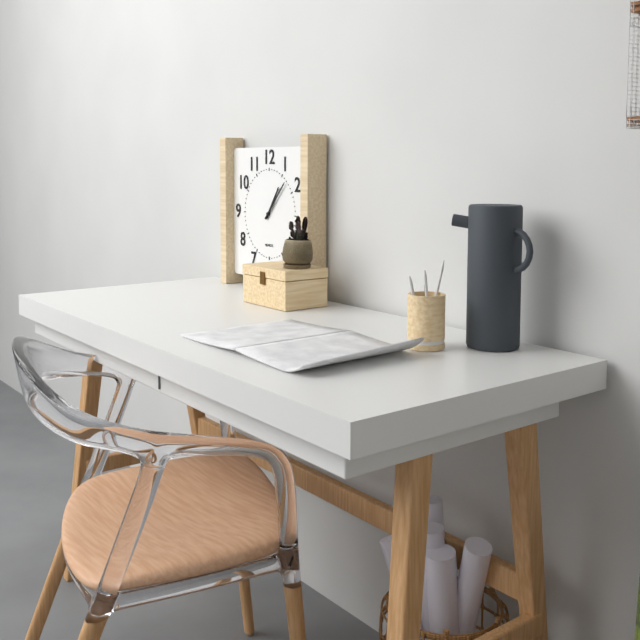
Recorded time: 1.07
